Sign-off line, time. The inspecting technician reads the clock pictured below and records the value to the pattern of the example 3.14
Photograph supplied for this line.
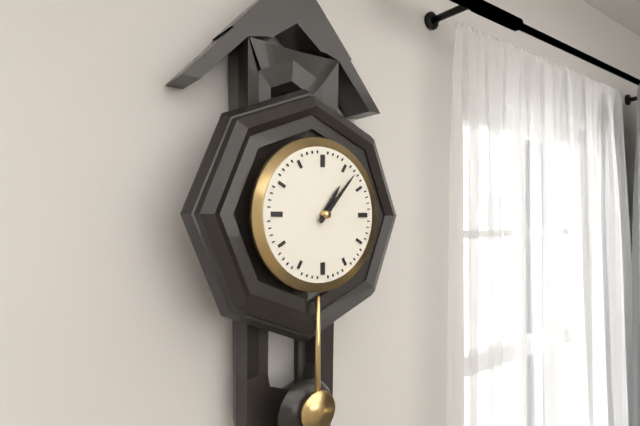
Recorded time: 1.07
